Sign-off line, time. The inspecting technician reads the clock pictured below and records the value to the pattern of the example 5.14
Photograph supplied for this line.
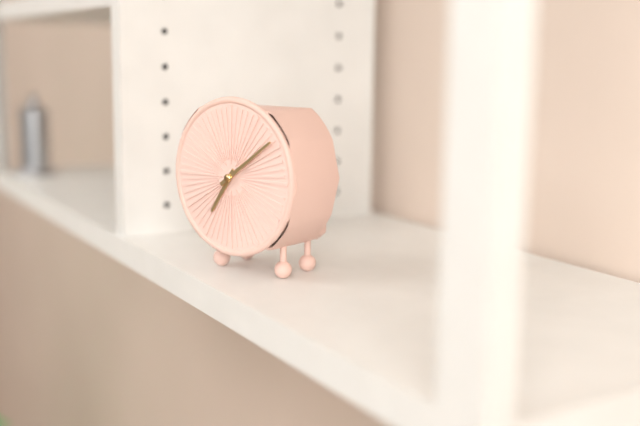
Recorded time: 7.09
